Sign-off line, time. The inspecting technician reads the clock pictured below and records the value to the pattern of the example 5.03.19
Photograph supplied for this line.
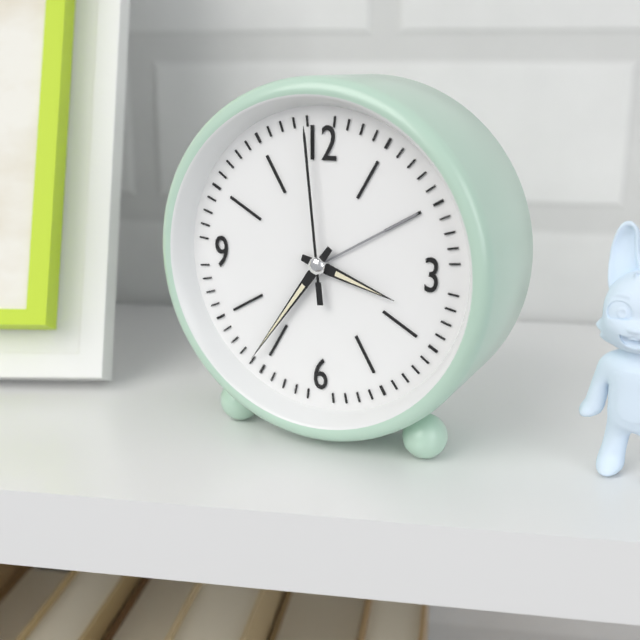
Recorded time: 3.36.59
